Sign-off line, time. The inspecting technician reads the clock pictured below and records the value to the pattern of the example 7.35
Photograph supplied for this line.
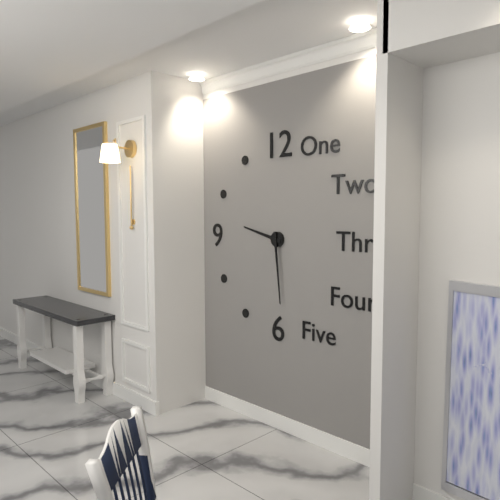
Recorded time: 9.29
